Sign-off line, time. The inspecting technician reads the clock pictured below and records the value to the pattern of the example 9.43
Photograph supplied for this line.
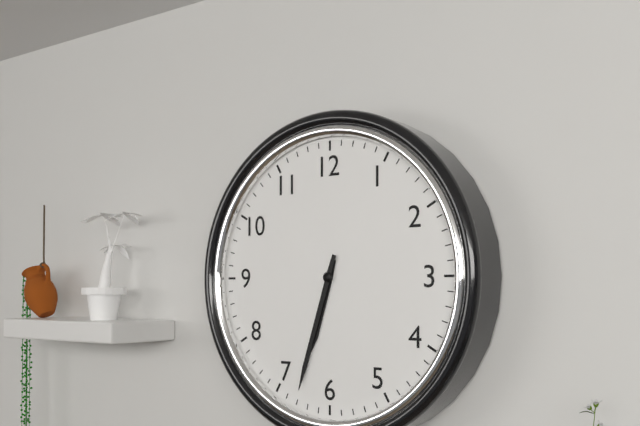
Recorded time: 6.33
